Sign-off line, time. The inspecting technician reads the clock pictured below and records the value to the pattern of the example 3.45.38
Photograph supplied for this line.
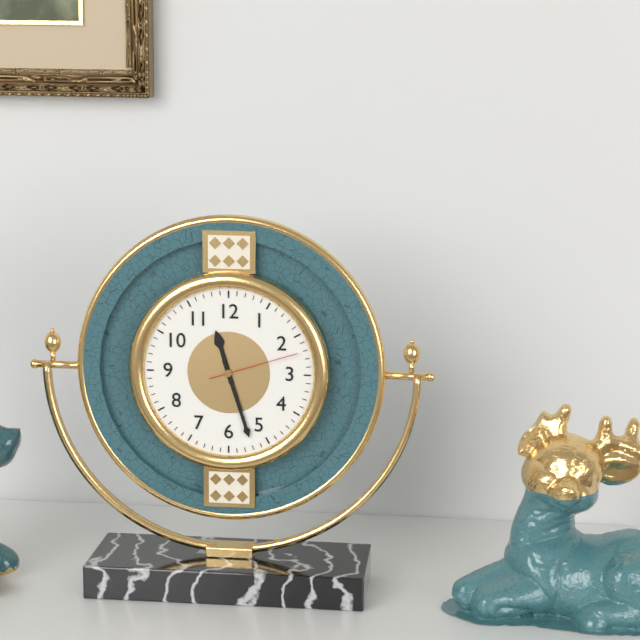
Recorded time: 11.27.12
